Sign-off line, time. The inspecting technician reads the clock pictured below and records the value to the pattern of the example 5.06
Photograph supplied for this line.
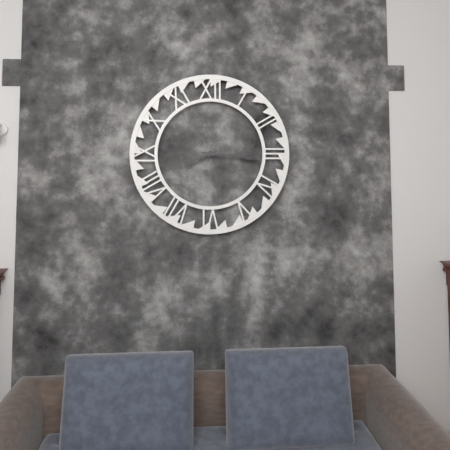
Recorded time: 8.16
